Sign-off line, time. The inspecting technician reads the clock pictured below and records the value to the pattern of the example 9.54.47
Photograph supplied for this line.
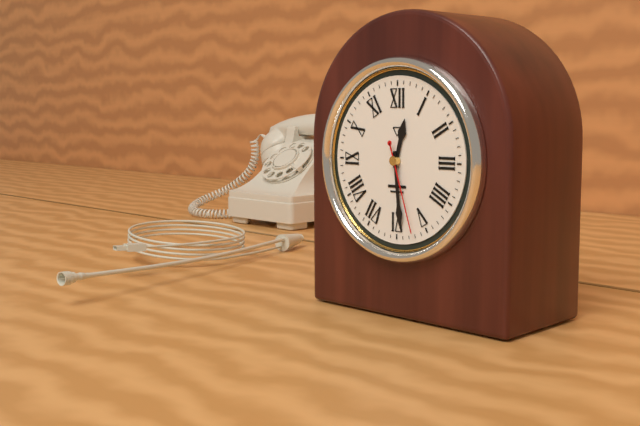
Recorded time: 12.29.27
